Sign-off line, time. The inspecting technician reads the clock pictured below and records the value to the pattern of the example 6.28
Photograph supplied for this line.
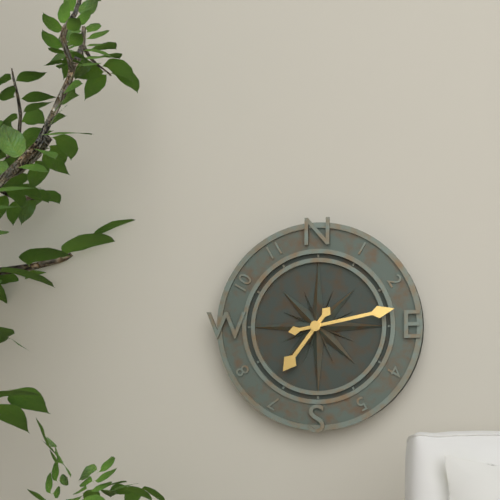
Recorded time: 7.13
